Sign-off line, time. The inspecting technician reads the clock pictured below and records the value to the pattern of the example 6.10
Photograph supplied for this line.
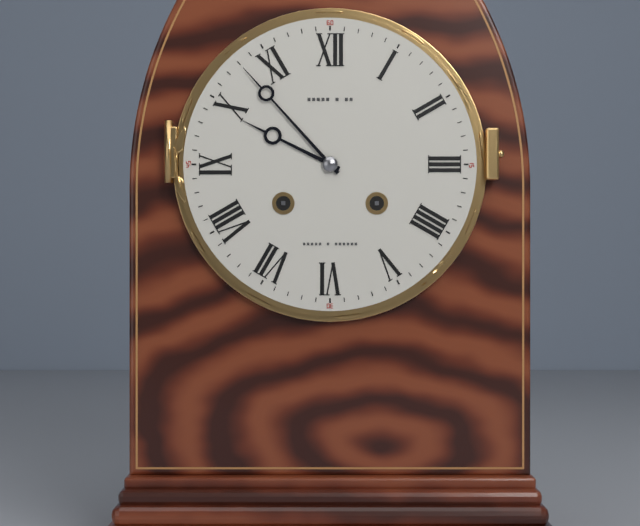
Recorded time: 9.53
